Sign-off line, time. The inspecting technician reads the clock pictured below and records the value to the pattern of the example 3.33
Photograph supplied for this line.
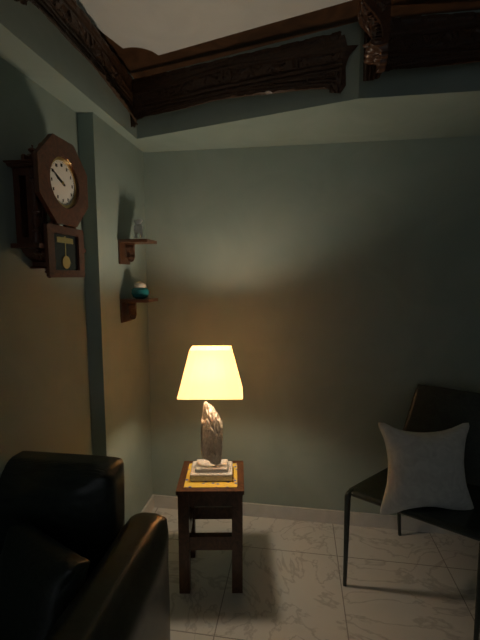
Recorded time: 9.50
